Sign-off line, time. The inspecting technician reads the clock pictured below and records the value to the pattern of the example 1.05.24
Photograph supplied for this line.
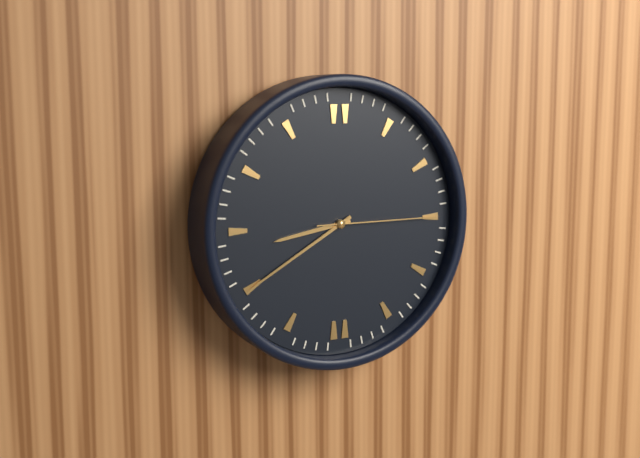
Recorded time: 8.40.15
